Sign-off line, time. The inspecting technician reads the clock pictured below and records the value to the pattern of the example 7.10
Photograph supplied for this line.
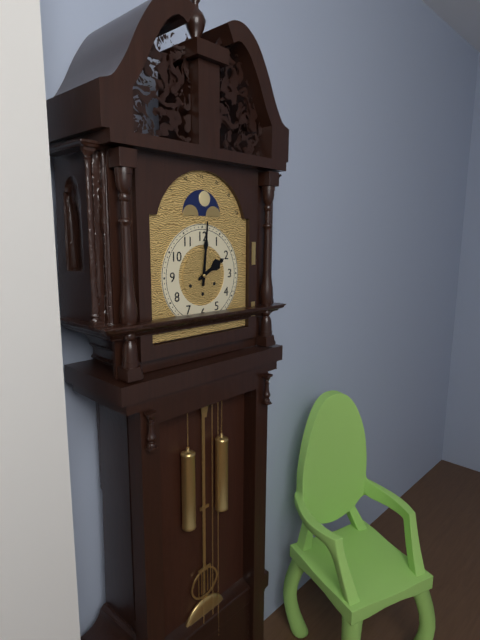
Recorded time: 2.01
